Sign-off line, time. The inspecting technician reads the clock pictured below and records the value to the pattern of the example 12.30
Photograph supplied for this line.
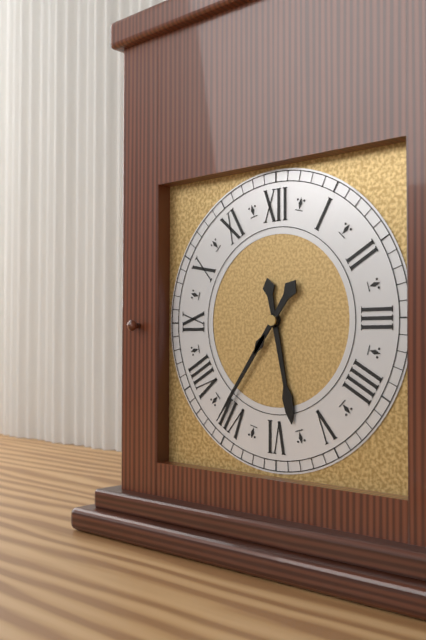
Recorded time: 5.36
